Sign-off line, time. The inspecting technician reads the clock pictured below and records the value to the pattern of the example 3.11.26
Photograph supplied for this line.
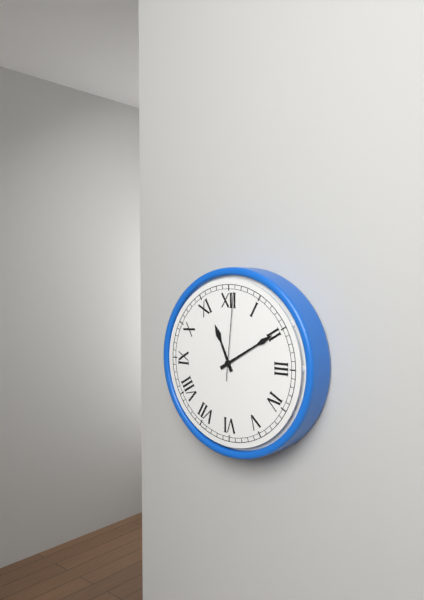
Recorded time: 11.10.01
